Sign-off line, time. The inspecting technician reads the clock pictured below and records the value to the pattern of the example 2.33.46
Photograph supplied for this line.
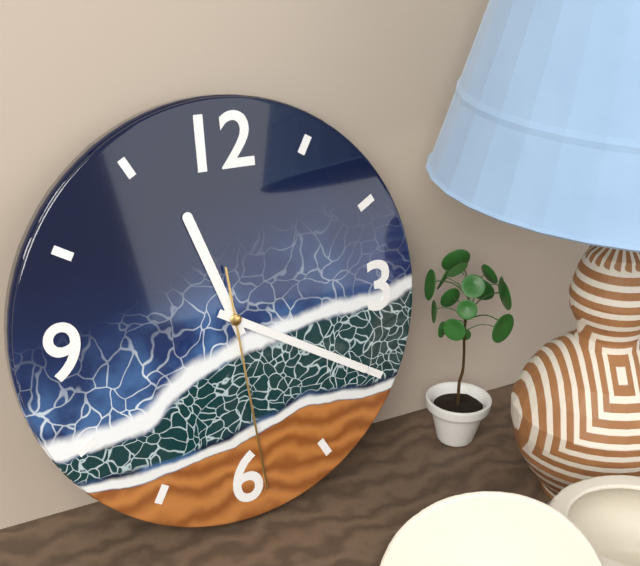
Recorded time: 11.20.29
